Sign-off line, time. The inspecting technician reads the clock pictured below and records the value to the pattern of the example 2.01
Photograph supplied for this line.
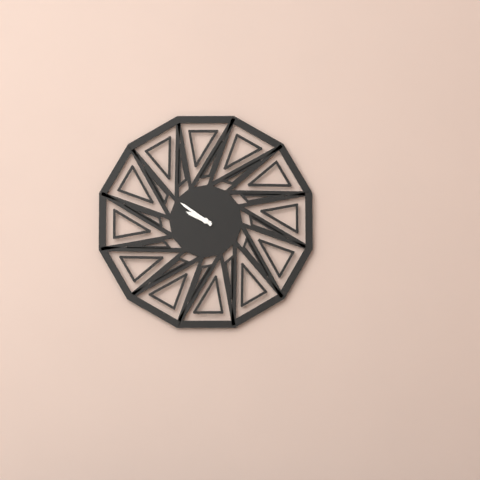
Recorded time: 9.51
